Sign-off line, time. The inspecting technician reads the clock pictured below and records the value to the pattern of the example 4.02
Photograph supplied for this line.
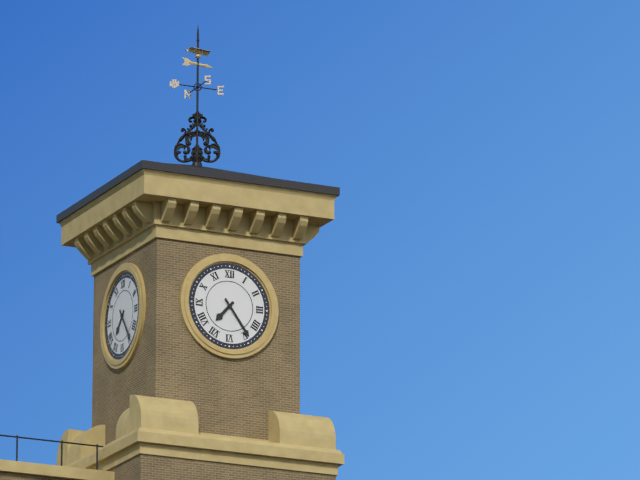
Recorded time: 7.24
